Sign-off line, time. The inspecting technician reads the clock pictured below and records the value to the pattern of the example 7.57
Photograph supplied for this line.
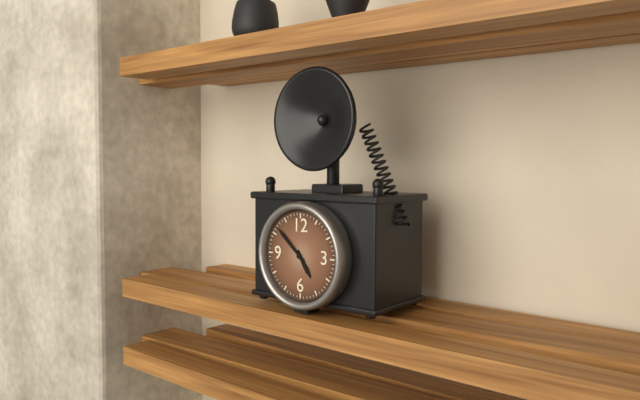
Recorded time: 4.52
